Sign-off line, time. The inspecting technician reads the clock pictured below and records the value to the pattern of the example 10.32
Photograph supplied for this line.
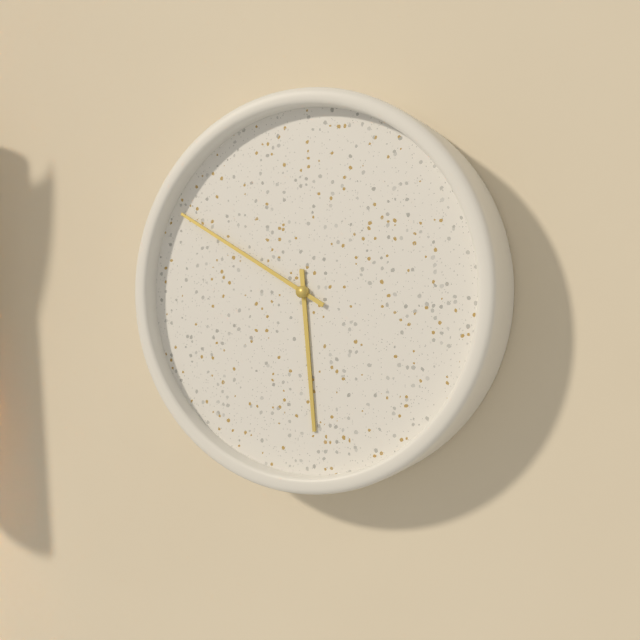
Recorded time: 5.50
